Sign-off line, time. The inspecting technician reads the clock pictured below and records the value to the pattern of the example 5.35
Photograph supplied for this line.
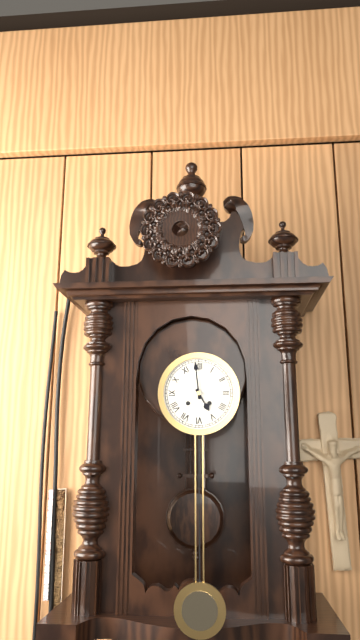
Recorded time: 4.59
